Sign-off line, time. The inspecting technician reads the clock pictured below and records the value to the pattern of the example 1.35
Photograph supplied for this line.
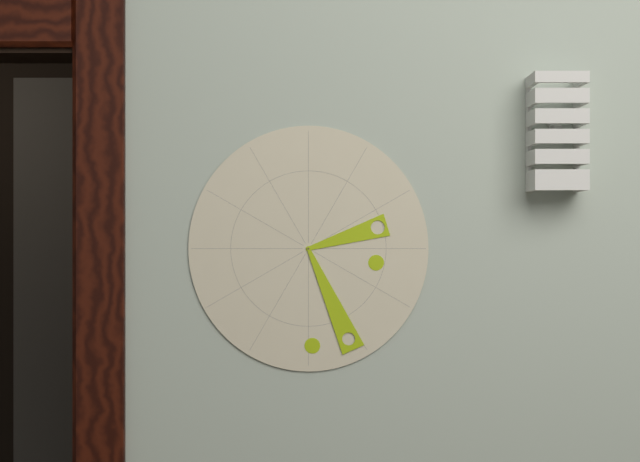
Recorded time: 2.26
